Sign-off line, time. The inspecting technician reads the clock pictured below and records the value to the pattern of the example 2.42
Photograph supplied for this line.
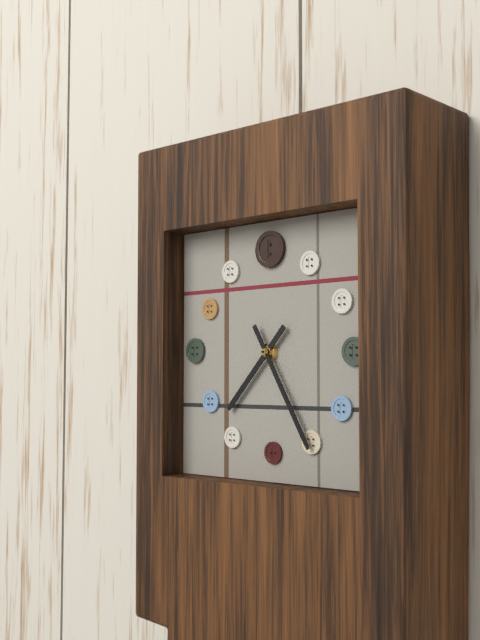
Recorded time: 7.25
